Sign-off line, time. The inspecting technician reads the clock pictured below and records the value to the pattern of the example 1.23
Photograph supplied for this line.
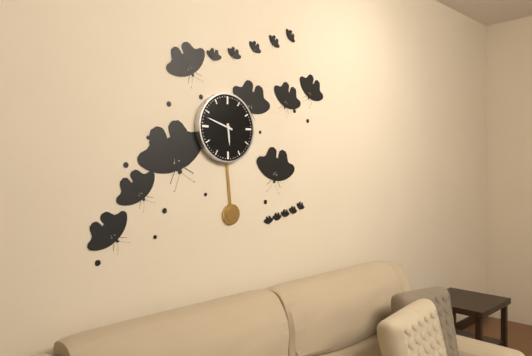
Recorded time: 5.48
